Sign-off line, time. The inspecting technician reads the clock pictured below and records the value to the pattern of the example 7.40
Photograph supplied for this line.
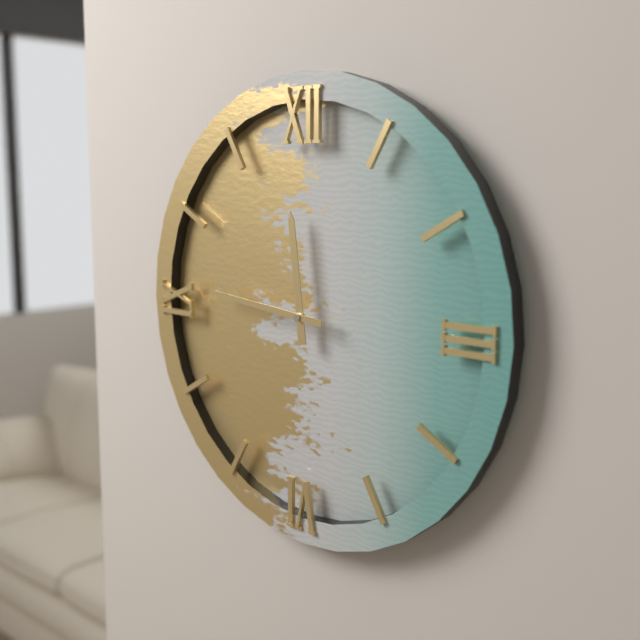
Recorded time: 11.46
